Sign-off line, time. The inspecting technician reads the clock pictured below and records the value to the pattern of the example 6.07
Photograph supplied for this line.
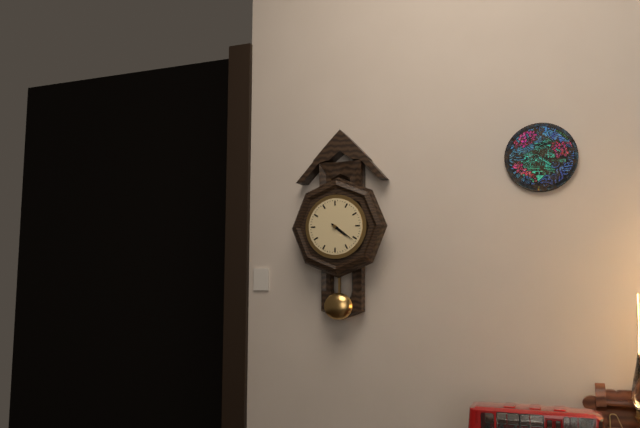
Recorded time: 4.21
